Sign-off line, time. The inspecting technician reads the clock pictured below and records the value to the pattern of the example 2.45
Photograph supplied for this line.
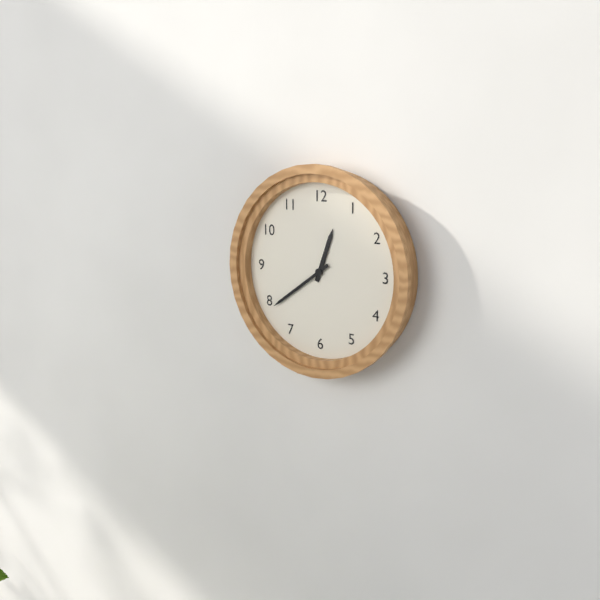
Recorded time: 12.39
